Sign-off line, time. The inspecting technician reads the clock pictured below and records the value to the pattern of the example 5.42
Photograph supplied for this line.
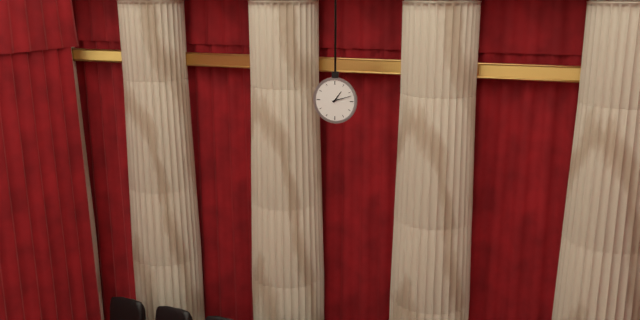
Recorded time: 1.12
